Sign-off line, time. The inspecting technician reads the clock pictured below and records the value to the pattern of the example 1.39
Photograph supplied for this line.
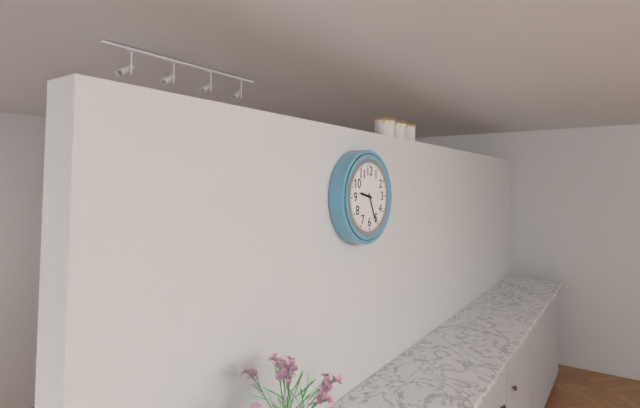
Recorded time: 9.26
